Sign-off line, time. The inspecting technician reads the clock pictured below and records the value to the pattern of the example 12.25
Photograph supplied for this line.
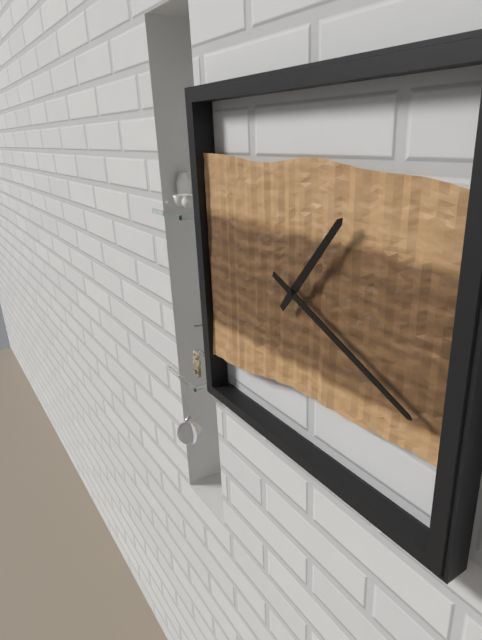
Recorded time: 1.19
